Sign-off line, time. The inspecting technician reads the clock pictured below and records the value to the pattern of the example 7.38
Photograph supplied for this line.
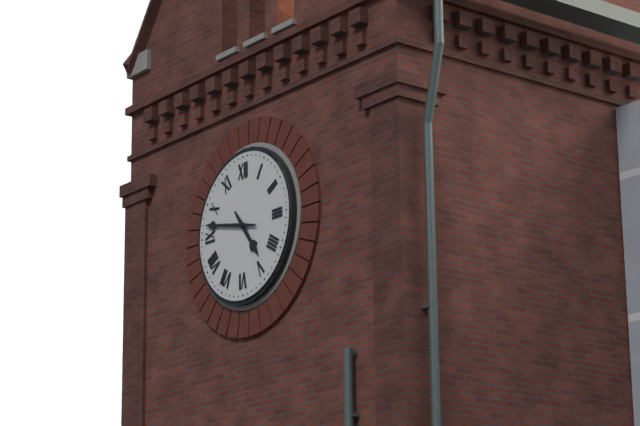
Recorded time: 4.47
